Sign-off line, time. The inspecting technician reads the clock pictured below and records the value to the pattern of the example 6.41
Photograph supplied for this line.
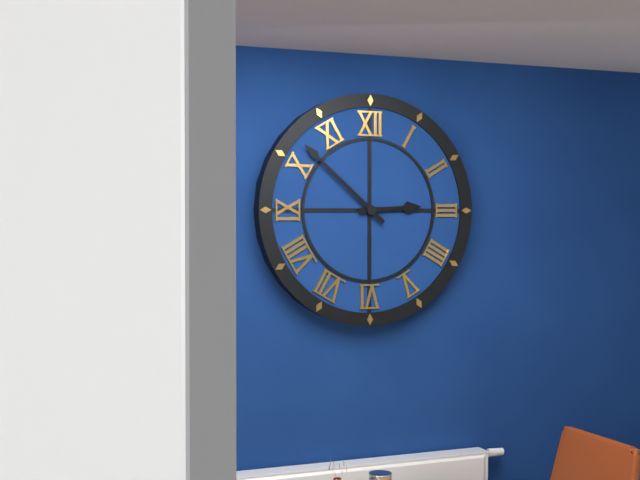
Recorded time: 2.52
